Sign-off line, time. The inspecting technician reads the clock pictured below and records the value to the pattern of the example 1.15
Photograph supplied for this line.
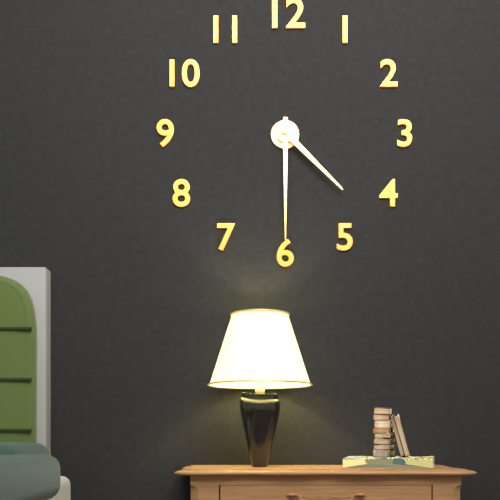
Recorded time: 4.30
